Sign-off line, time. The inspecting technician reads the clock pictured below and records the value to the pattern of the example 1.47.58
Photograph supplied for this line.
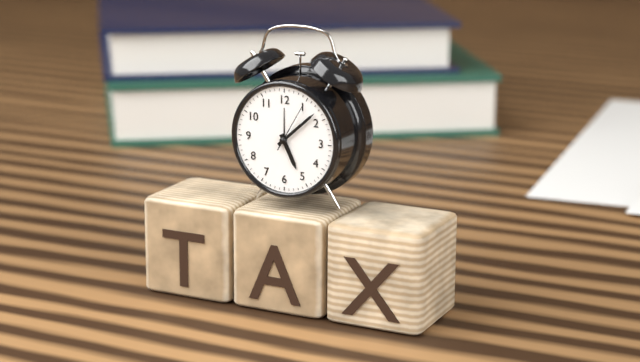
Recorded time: 5.08.05
